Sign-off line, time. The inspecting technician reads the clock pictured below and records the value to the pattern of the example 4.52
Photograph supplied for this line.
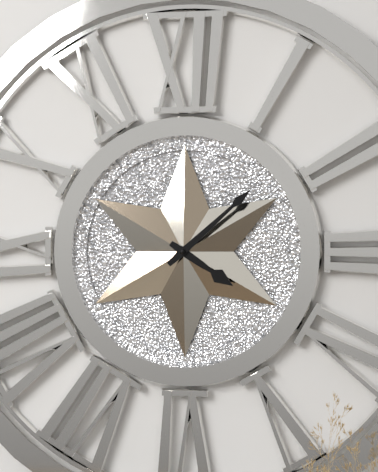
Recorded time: 4.08
